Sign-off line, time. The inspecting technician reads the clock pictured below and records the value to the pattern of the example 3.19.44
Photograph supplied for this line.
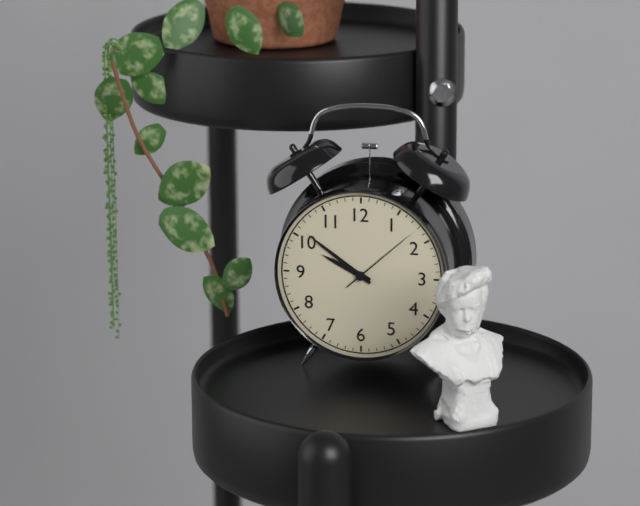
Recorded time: 9.51.08
